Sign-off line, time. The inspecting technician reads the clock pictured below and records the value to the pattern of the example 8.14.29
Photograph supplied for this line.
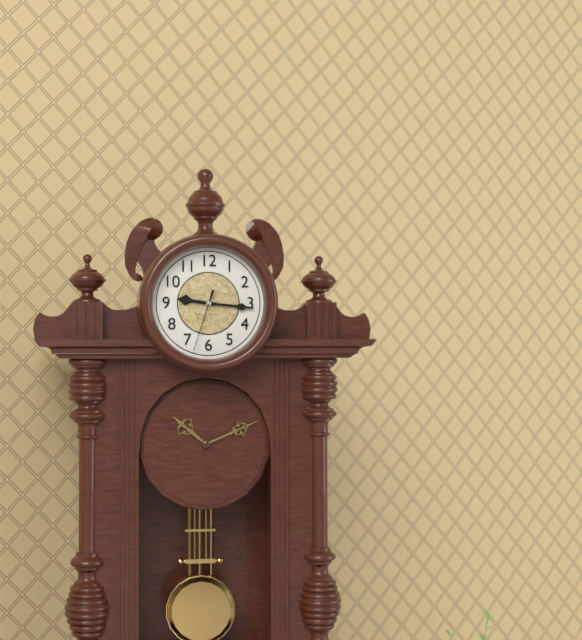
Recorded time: 9.16.33
